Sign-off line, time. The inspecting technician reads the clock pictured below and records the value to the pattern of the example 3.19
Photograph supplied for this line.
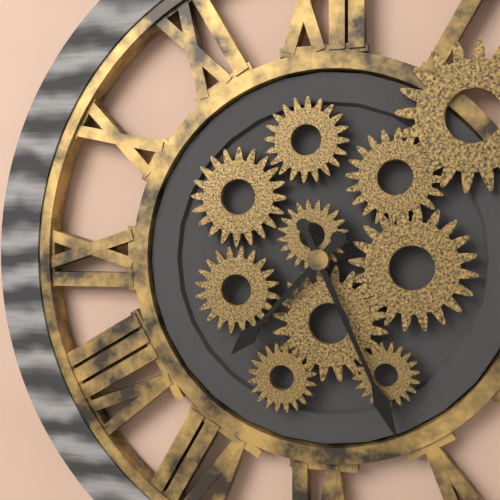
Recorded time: 7.26
